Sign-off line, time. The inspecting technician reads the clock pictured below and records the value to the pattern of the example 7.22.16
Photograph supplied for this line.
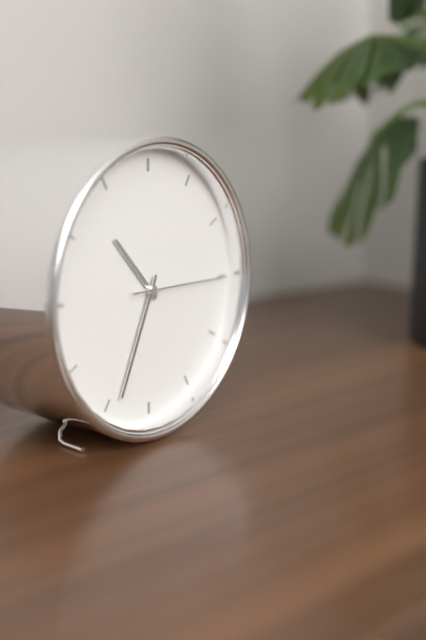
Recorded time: 10.34.15
